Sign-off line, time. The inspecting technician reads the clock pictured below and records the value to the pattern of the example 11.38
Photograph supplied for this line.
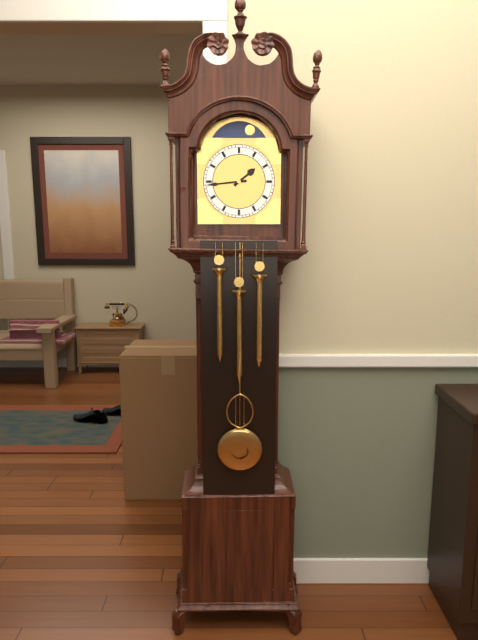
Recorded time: 1.44
